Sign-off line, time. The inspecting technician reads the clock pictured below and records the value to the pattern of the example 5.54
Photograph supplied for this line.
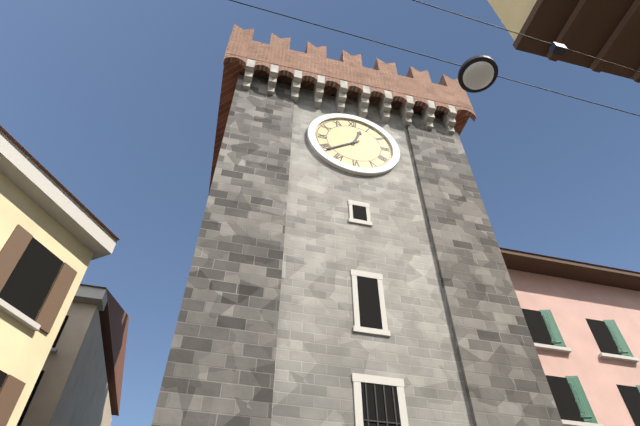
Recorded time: 12.39
